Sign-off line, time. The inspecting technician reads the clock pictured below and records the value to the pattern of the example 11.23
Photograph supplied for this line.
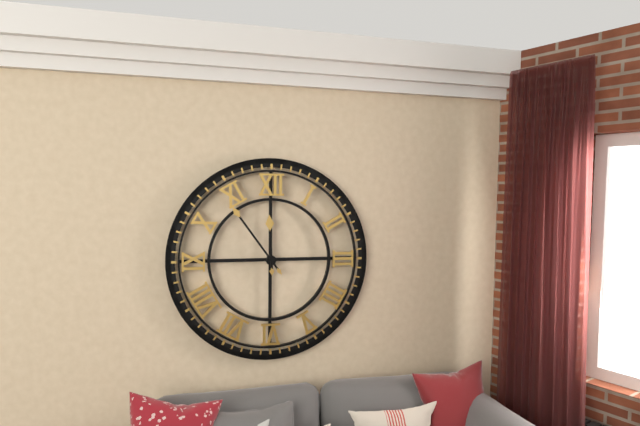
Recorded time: 11.54
